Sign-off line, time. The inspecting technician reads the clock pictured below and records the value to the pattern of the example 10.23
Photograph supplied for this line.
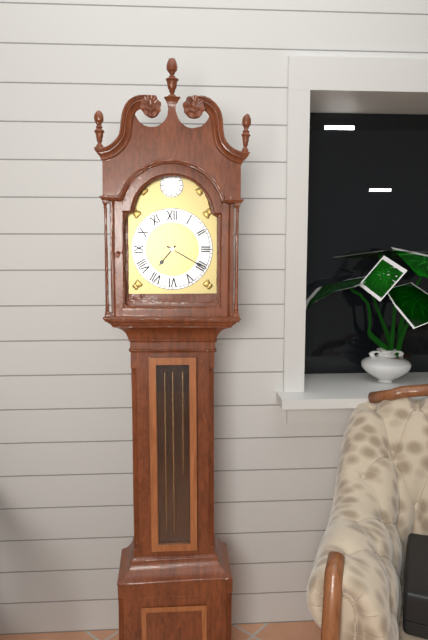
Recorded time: 7.20
